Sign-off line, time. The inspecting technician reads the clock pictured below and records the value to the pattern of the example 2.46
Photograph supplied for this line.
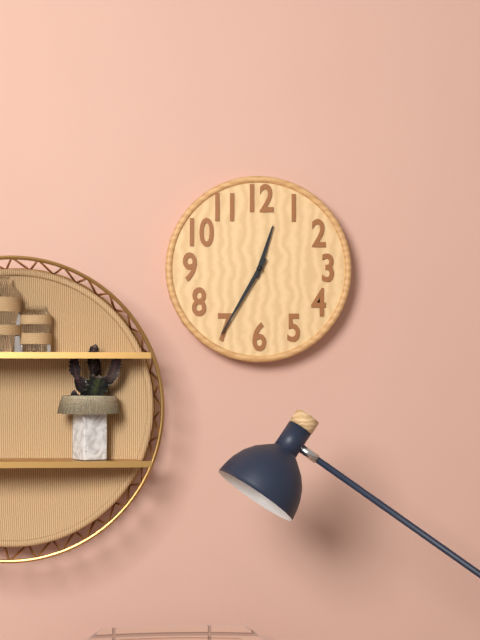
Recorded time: 12.35
